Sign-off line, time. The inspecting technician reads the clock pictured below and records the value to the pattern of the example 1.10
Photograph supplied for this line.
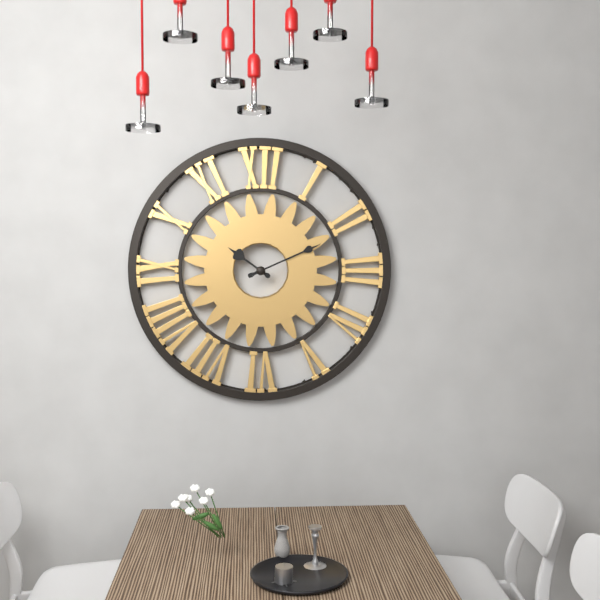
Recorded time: 10.11
